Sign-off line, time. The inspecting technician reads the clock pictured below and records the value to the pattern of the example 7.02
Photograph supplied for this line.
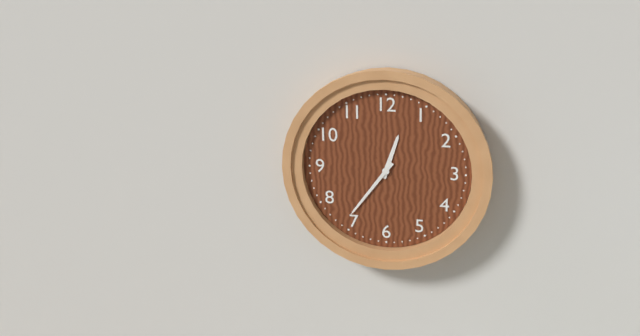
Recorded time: 12.36
